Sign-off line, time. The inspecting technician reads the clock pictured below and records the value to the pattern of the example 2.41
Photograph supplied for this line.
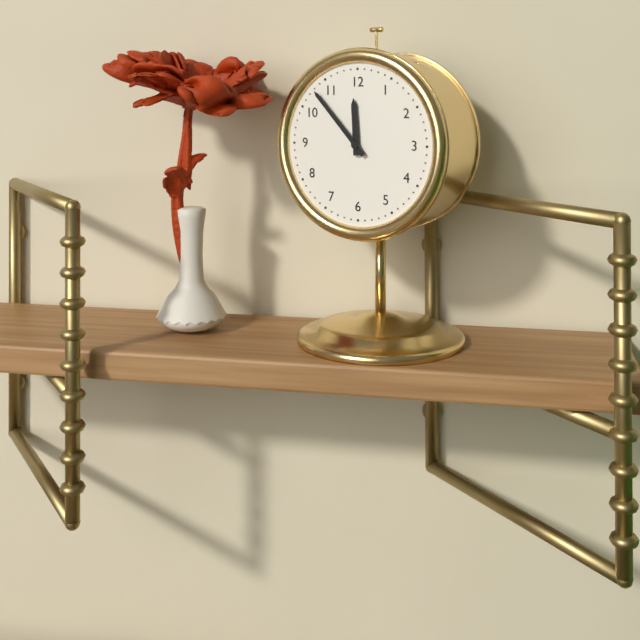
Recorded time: 11.53
